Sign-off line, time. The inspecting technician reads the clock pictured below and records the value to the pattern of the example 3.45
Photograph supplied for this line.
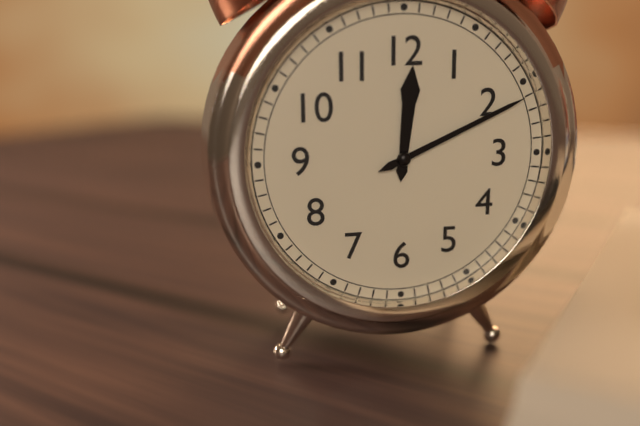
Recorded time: 12.11
